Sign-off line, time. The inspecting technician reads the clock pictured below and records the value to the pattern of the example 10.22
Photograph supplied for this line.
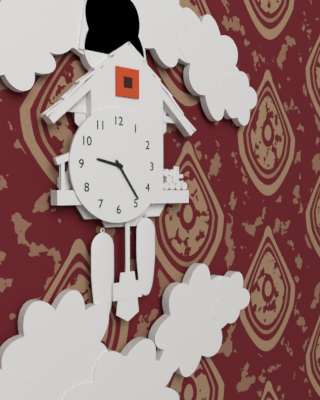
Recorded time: 9.24
